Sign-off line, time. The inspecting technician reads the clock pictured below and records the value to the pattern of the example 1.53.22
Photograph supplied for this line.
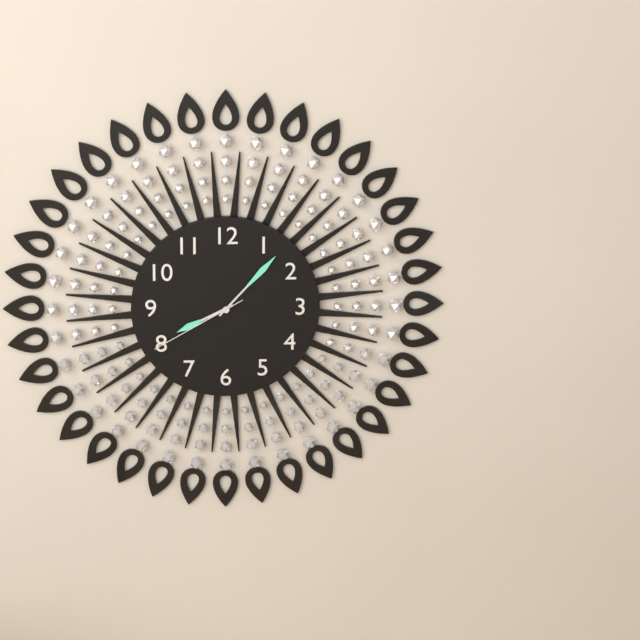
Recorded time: 8.07.40
